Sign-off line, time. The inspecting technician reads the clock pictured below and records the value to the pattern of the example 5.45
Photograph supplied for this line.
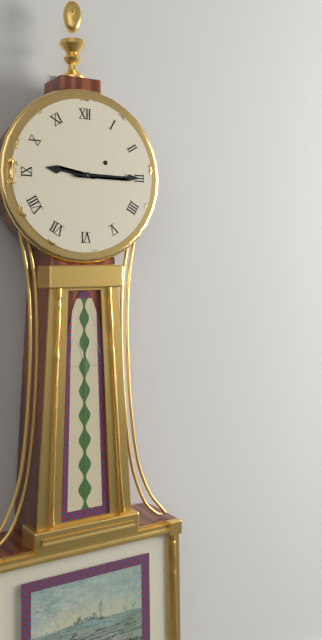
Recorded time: 9.15
